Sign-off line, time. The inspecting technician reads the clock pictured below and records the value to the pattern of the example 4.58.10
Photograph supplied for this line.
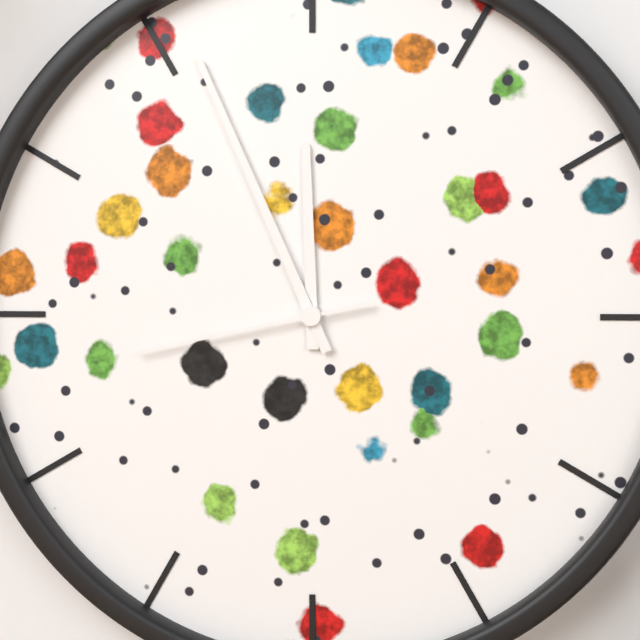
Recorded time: 11.56.43
